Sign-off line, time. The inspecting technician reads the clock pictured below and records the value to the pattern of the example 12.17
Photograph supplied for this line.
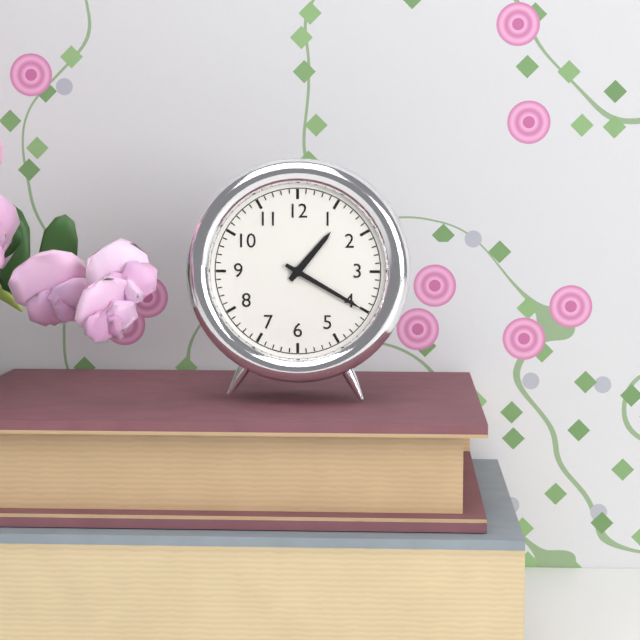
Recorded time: 1.20
